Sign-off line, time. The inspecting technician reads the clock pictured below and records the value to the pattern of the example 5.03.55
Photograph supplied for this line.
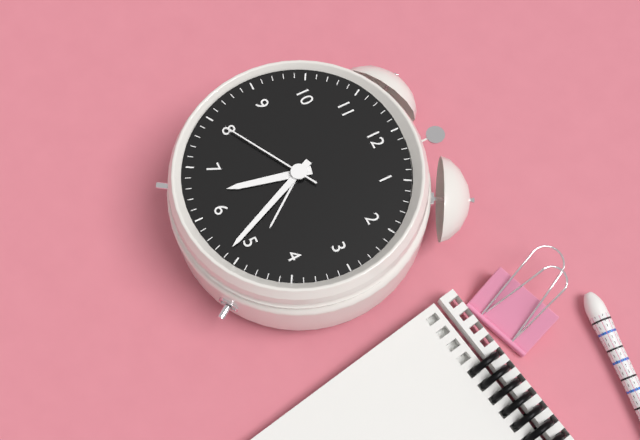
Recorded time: 6.26.40
